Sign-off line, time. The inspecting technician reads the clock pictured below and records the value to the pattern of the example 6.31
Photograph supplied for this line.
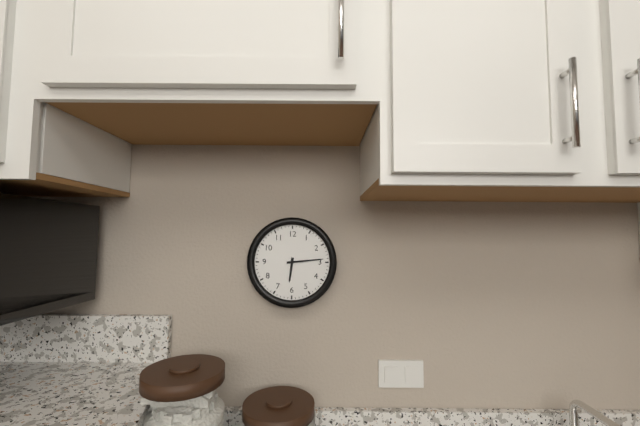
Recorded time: 6.14
